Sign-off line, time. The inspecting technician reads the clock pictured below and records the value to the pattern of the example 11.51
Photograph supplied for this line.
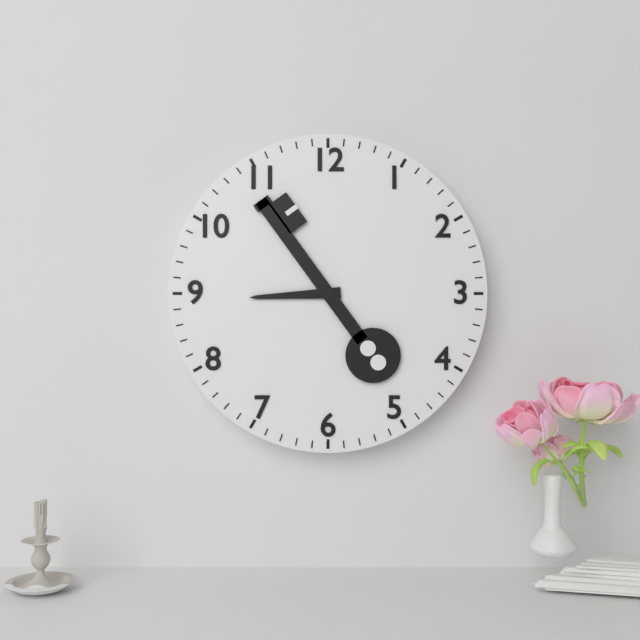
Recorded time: 8.54
